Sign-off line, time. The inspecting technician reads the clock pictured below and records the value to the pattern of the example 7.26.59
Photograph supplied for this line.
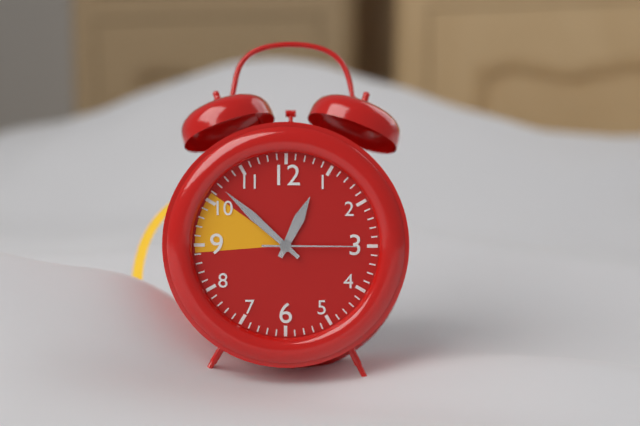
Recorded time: 12.52.15
